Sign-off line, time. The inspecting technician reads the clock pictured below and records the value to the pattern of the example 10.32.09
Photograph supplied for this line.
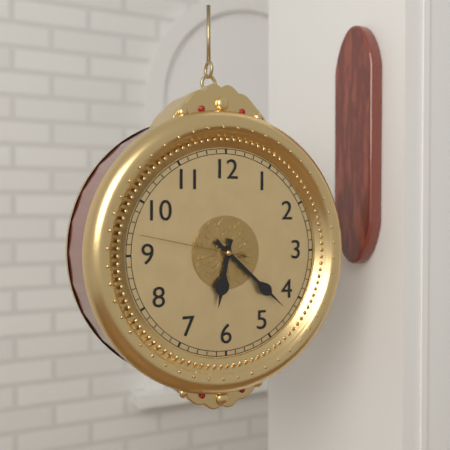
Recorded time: 6.22.47
